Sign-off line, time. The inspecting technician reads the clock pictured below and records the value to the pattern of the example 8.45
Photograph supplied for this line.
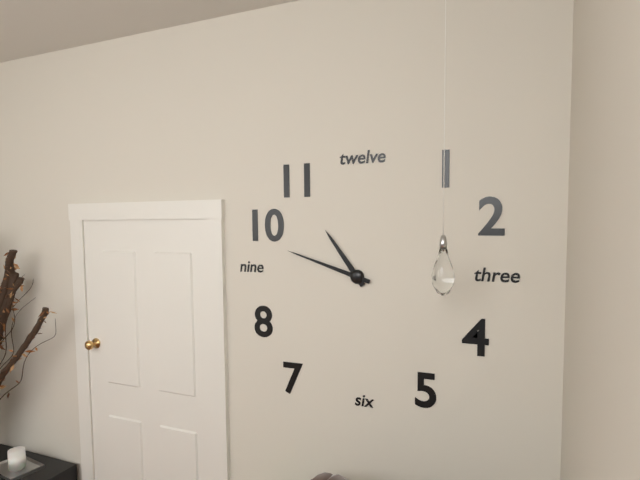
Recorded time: 10.48
